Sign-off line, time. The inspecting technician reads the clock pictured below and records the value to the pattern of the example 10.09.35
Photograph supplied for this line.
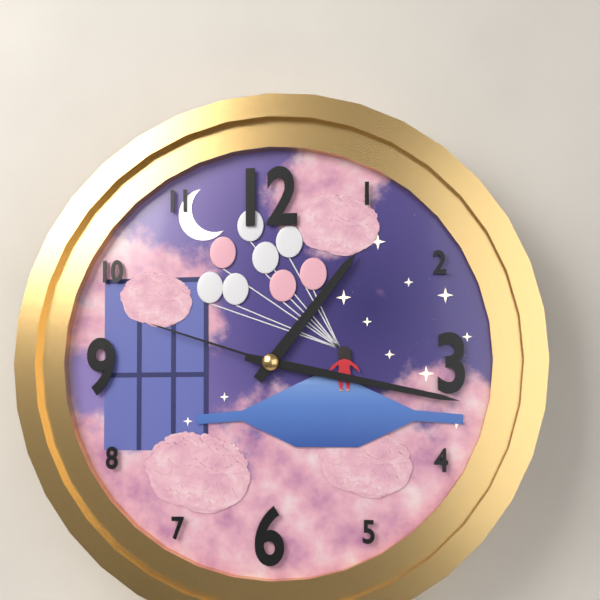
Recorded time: 1.17.48
